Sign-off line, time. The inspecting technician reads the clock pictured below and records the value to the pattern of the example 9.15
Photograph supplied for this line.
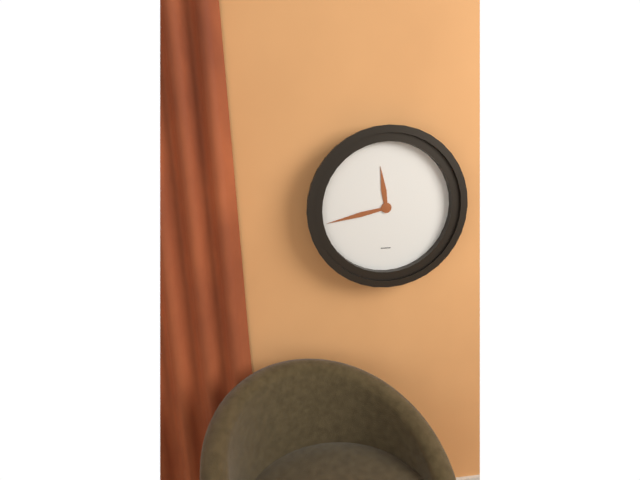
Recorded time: 11.43
